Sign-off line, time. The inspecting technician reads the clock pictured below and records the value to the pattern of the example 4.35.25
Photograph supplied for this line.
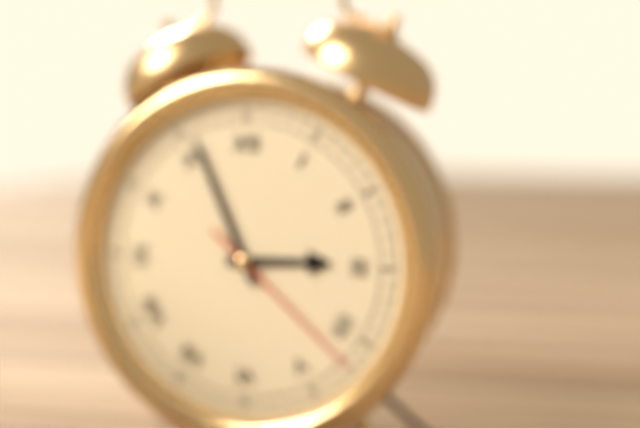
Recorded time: 2.56.22
